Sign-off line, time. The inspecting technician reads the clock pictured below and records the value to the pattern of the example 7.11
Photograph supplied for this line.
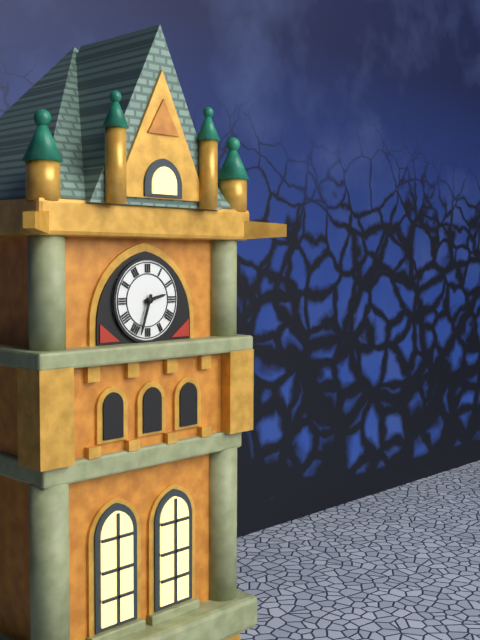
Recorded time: 2.33
